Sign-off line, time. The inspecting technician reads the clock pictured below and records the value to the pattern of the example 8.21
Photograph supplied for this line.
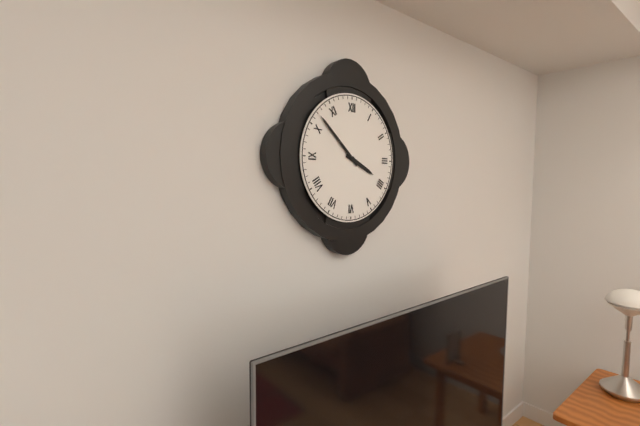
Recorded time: 3.52
